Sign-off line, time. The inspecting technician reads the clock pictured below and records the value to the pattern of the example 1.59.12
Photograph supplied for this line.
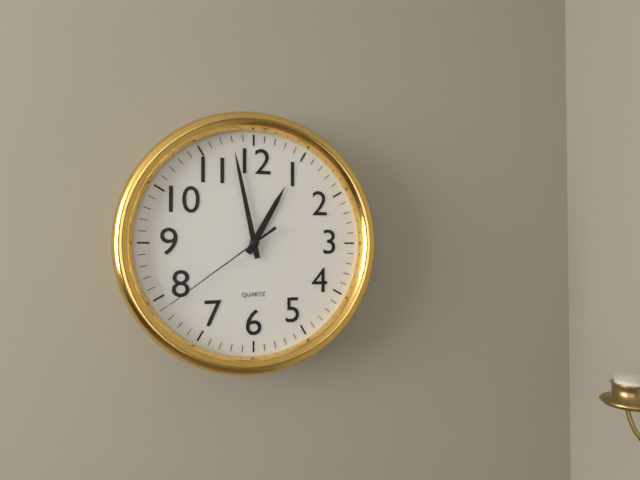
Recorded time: 12.58.39
